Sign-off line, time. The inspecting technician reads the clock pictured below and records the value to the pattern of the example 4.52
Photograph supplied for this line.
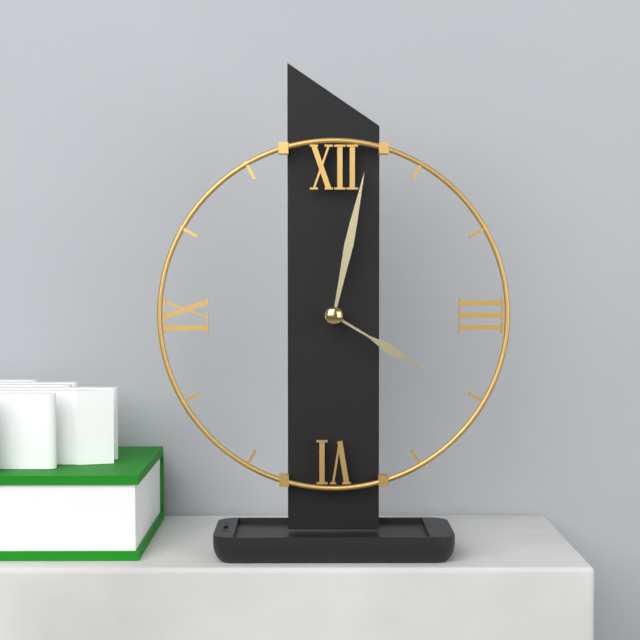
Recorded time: 4.02
